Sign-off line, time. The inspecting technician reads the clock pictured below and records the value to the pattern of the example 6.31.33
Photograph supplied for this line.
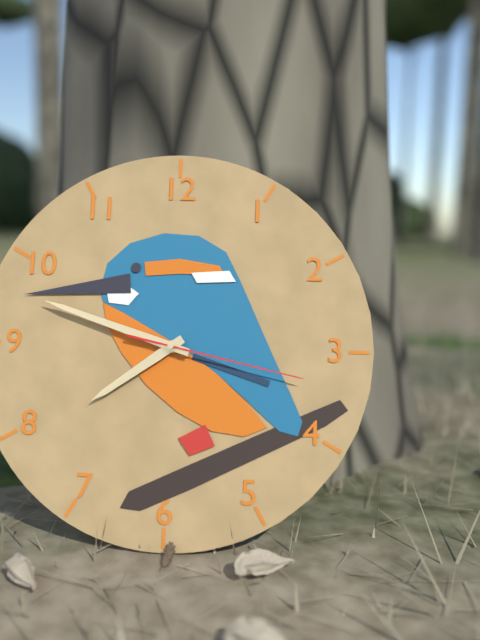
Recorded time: 7.48.17
